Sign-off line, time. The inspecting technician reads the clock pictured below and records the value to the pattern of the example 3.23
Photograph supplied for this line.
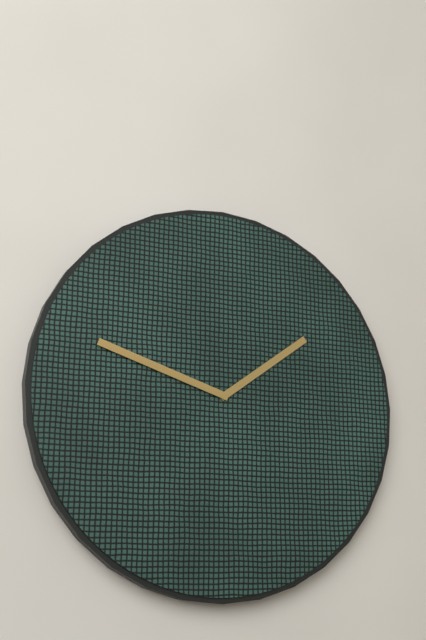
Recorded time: 1.48
